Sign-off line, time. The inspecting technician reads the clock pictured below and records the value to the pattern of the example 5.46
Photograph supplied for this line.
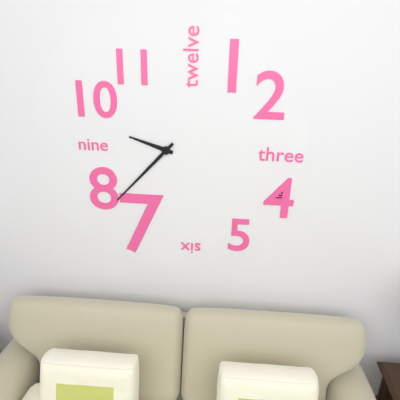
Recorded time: 9.37
